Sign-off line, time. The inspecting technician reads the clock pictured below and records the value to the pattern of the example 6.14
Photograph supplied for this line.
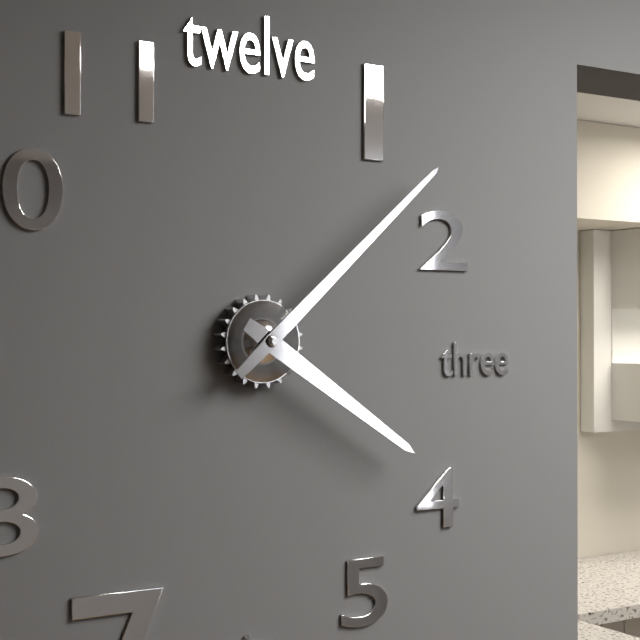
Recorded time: 4.08
